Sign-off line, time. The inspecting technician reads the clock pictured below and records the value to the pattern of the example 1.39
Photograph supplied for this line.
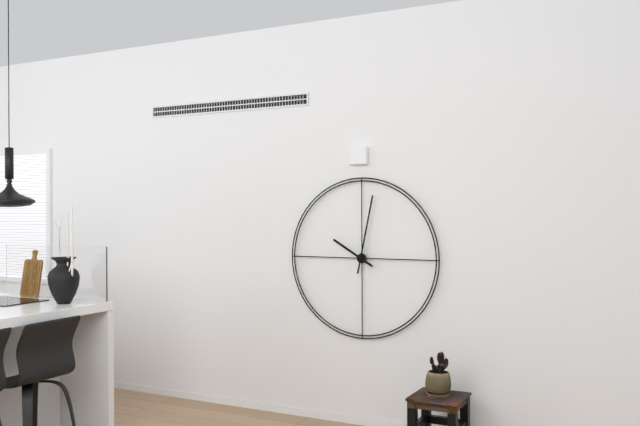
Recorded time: 10.02
